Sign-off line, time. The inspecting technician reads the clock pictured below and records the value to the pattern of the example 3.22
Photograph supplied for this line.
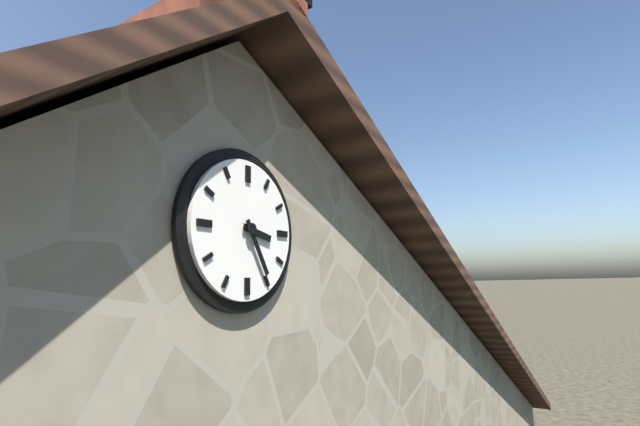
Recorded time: 3.25
